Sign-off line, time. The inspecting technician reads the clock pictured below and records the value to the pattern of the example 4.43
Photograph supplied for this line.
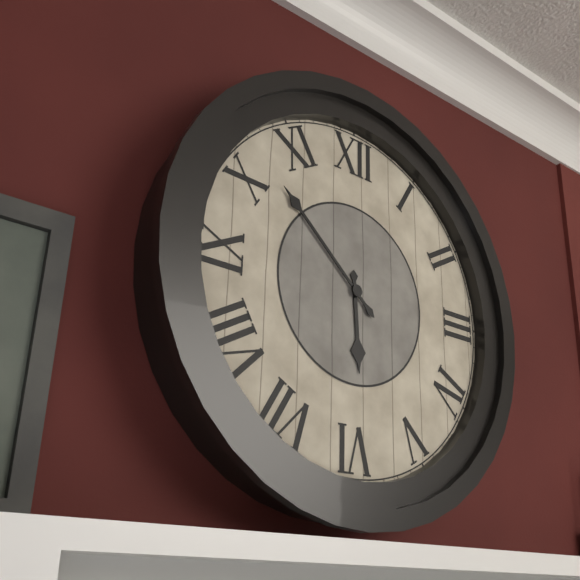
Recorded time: 5.52
